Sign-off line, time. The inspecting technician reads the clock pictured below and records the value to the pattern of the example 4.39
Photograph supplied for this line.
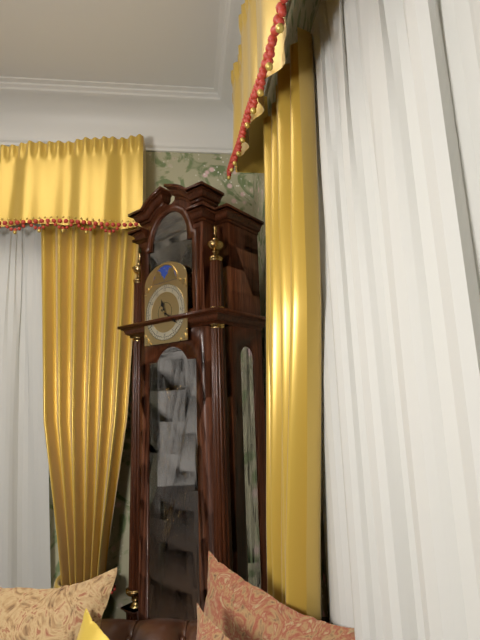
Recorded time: 11.21
